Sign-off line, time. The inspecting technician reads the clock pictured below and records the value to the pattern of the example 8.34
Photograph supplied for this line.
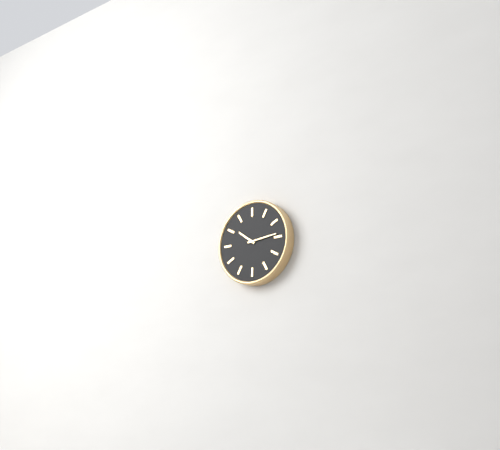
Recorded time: 10.14
